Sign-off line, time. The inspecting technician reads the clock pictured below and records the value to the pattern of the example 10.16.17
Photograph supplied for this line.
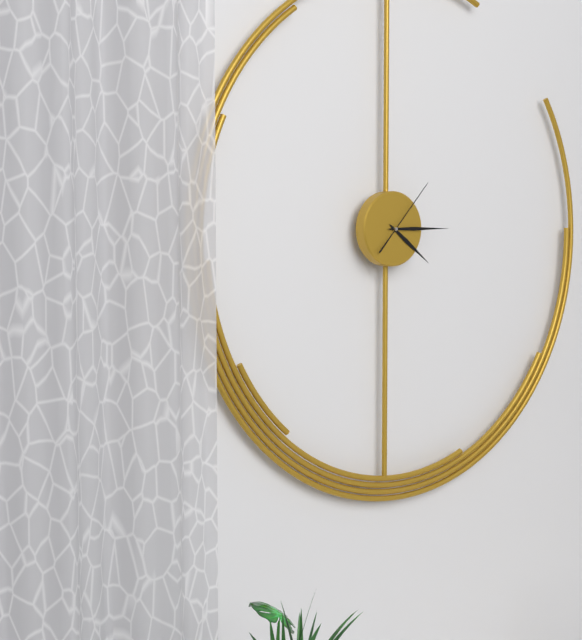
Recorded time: 4.15.07
